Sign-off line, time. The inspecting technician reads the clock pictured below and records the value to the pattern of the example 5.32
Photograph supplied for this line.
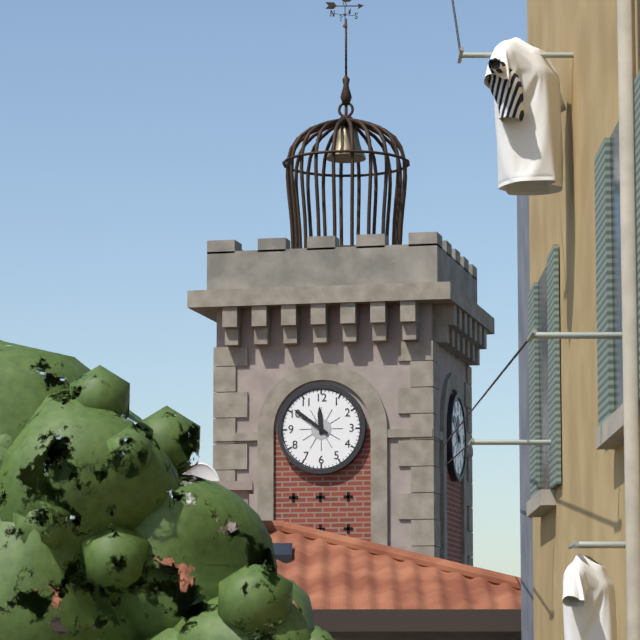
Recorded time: 11.51
